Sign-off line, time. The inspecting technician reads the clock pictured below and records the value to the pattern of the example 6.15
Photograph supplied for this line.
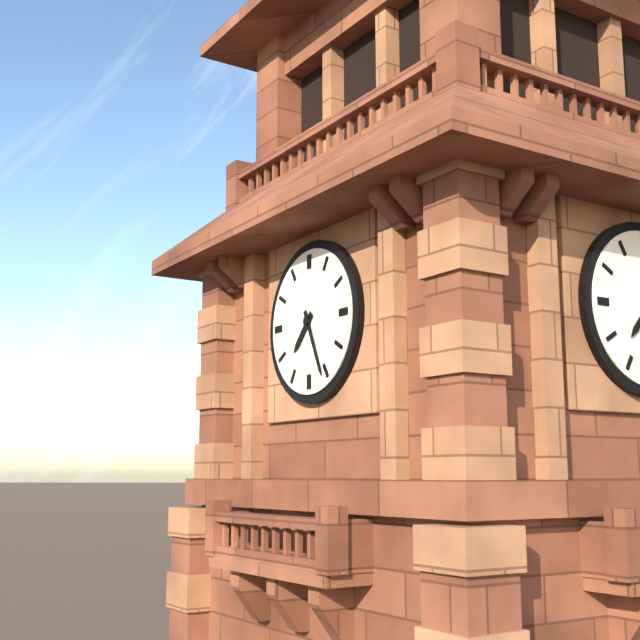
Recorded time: 7.26
